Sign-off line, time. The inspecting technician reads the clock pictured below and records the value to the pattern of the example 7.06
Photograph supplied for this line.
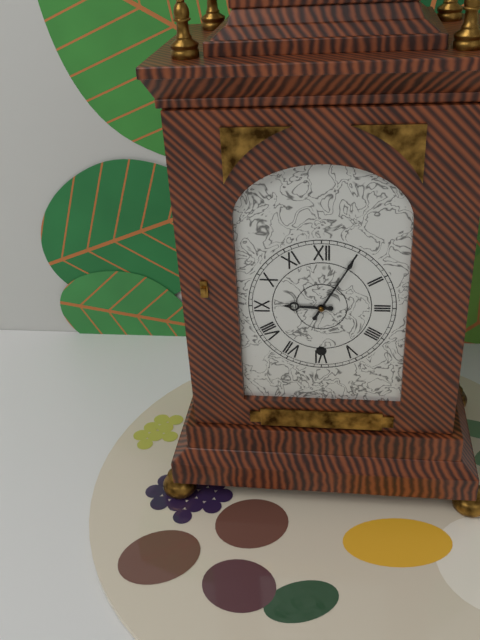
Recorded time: 9.05
